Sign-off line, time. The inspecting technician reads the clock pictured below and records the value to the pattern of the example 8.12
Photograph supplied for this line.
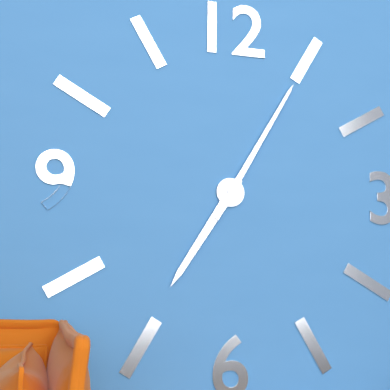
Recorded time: 7.05
